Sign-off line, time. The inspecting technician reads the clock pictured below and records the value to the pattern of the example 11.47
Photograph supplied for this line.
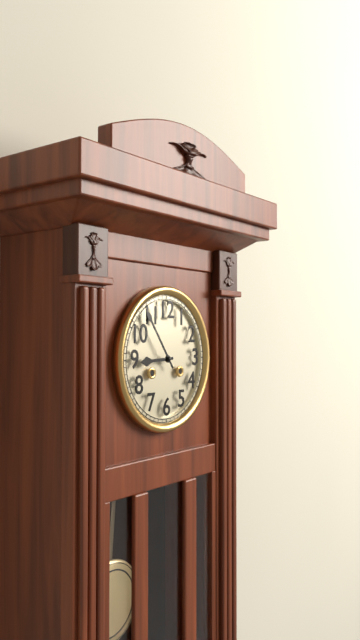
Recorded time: 8.54
